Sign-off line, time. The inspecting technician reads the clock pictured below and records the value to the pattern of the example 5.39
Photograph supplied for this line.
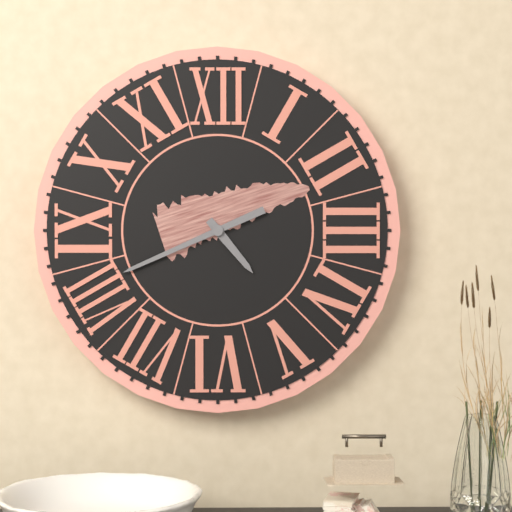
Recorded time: 4.41
